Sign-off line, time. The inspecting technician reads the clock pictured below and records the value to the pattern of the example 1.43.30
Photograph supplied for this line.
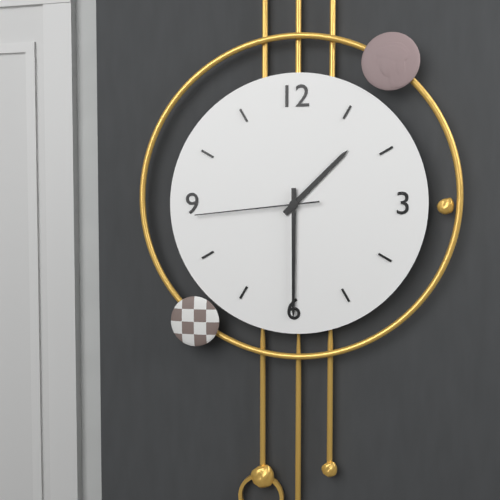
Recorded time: 1.30.44
